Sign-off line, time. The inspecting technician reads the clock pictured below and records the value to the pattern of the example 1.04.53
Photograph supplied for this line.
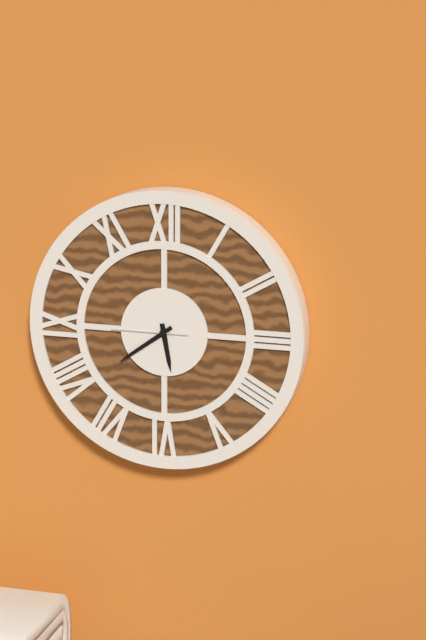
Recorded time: 5.39.45
